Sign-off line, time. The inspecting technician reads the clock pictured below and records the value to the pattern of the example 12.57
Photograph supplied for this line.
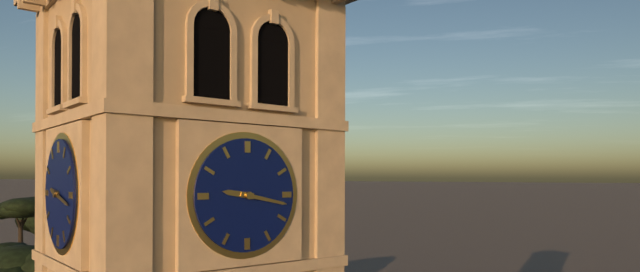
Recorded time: 9.17
